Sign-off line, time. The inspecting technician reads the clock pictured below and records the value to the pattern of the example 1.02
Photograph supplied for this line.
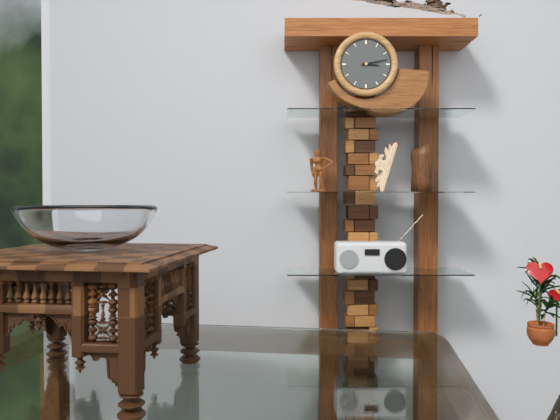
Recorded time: 3.13
